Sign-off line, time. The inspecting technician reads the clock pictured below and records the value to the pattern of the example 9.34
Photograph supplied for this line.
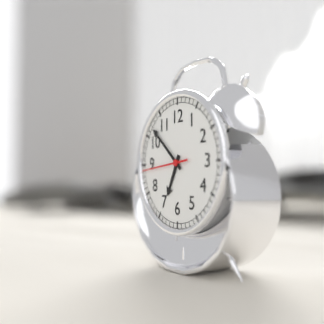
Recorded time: 6.52
